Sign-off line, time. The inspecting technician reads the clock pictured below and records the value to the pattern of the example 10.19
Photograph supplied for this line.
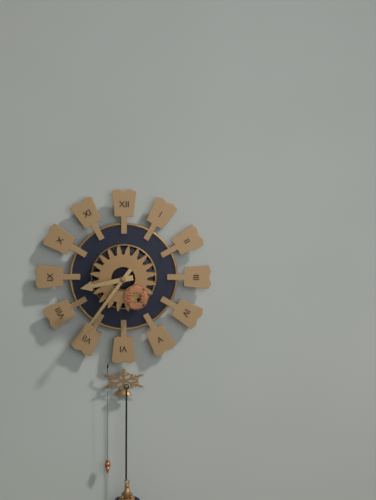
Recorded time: 8.36
